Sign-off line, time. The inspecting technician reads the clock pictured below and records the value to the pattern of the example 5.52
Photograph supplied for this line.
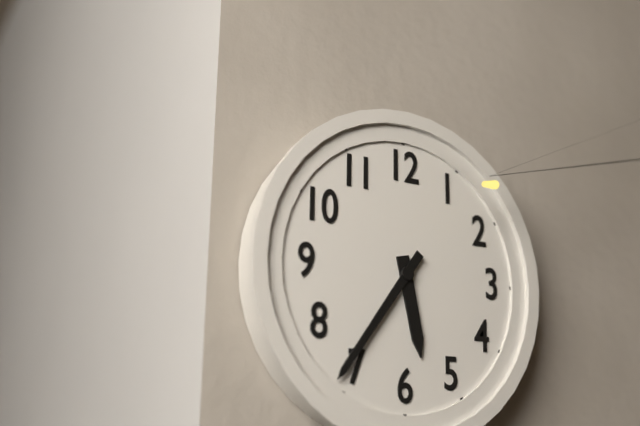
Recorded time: 5.36
